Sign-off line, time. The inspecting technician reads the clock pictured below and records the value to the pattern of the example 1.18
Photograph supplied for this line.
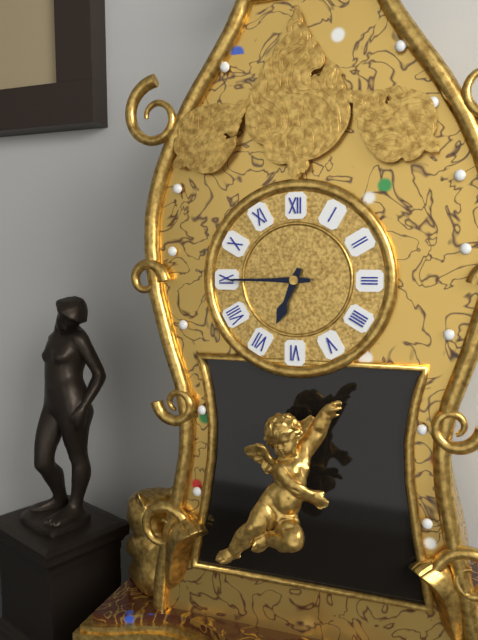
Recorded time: 6.45
